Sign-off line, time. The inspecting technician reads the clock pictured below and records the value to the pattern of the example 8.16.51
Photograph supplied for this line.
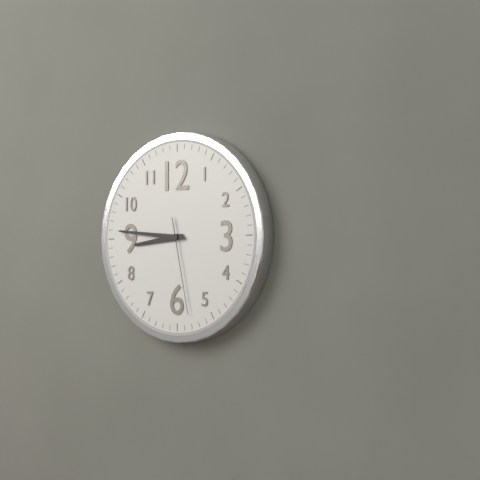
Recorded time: 8.46.28
